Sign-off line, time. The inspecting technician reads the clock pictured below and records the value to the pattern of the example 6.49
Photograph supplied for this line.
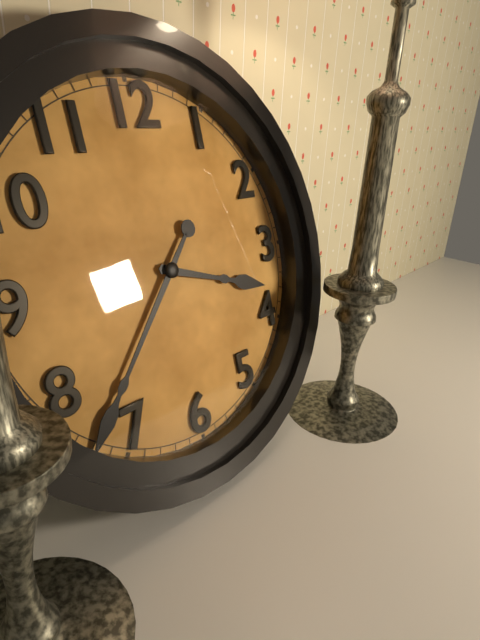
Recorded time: 3.37
